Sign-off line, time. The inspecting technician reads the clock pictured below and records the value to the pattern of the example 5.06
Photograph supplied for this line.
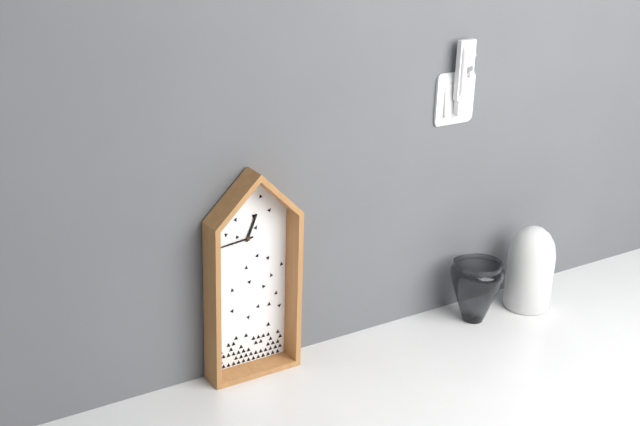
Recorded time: 12.44
